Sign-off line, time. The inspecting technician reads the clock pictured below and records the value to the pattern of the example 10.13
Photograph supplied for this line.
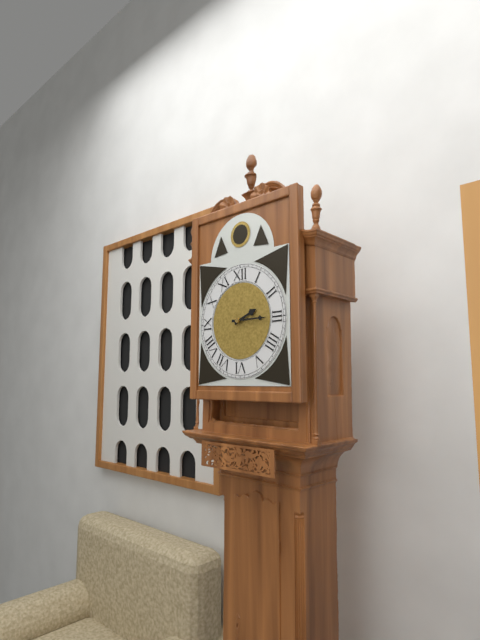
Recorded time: 2.15
